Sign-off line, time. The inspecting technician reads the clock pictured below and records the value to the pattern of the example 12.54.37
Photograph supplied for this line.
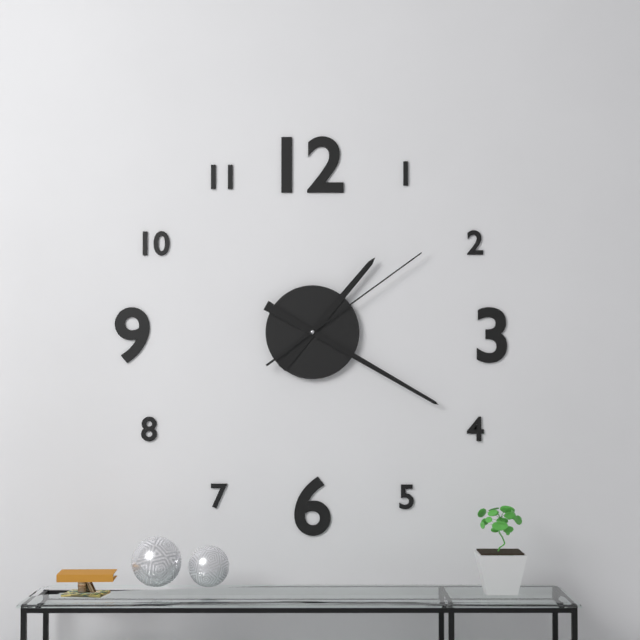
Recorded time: 1.20.09
